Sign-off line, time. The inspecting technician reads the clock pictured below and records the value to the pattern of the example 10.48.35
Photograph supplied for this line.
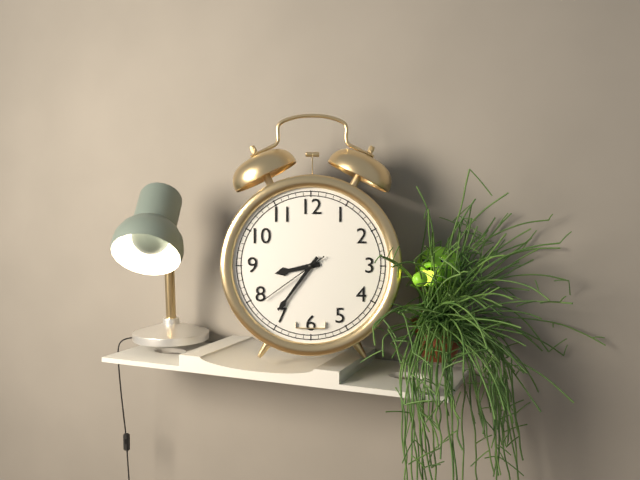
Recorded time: 8.36.39
